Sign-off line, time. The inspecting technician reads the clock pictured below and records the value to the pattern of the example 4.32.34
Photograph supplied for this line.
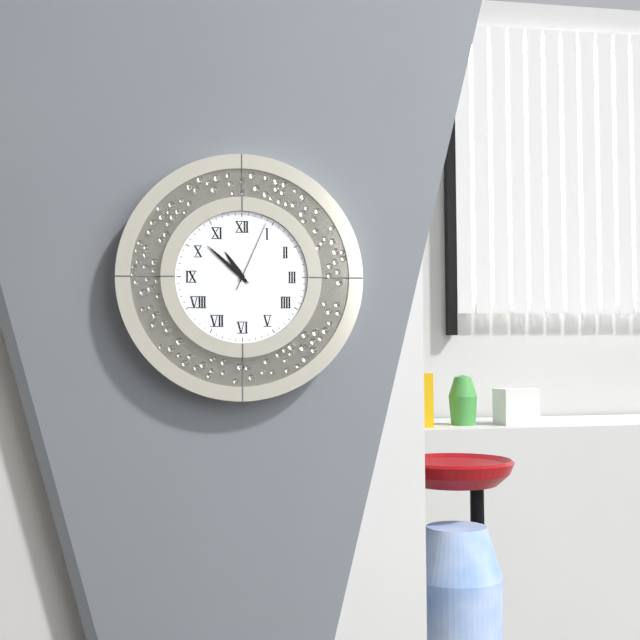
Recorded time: 10.52.04
